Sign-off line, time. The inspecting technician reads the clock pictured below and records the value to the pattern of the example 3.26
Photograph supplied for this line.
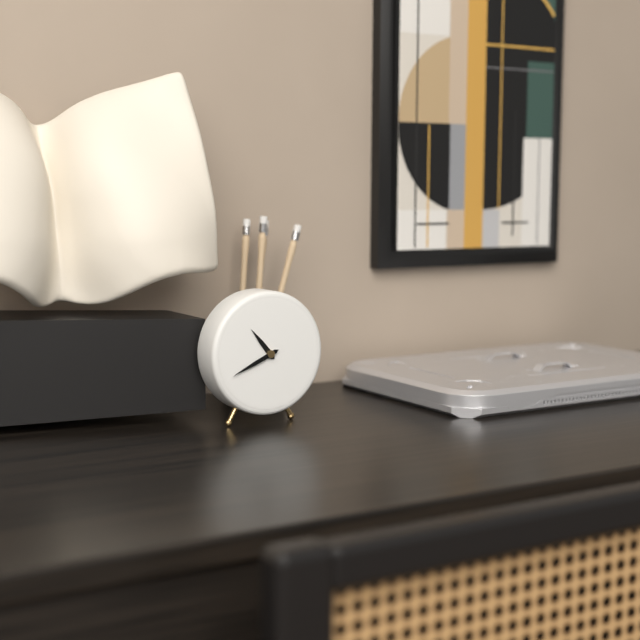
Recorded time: 10.41
